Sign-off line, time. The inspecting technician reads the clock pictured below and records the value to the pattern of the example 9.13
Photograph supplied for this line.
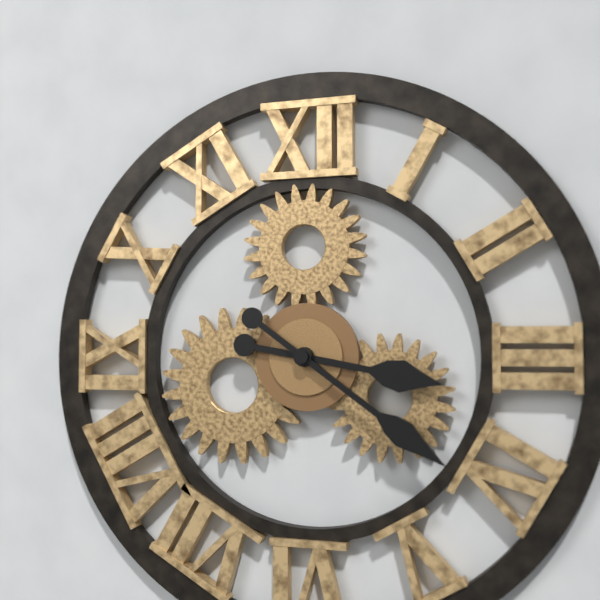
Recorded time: 3.21
